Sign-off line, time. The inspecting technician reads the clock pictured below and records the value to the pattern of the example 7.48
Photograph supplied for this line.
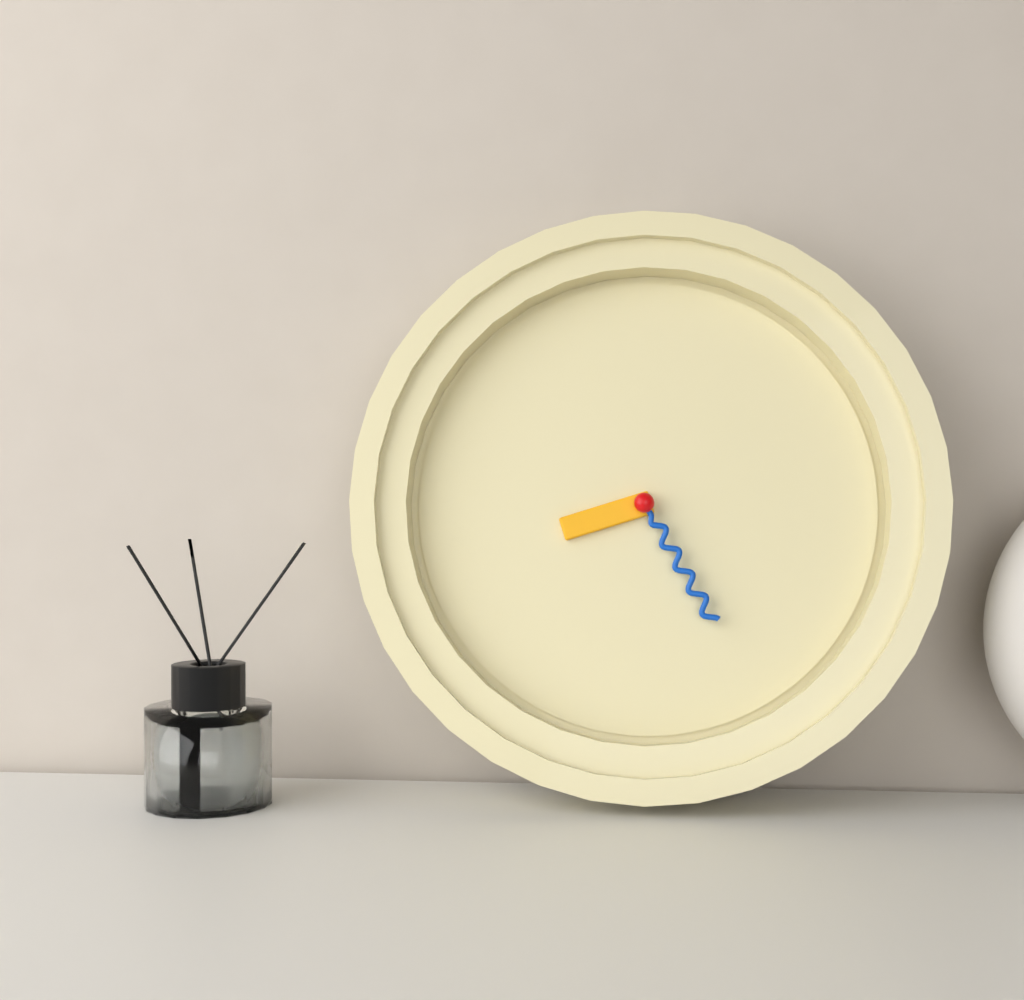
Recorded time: 8.25
